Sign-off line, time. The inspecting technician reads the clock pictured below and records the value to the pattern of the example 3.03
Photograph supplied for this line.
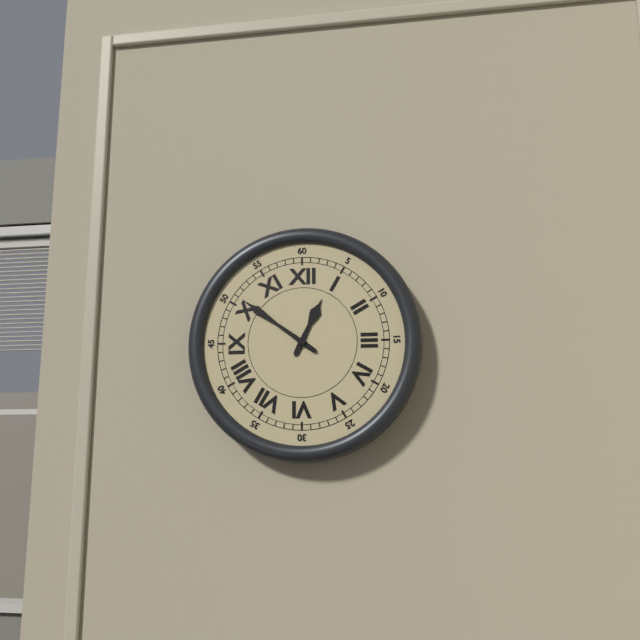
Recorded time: 12.51
